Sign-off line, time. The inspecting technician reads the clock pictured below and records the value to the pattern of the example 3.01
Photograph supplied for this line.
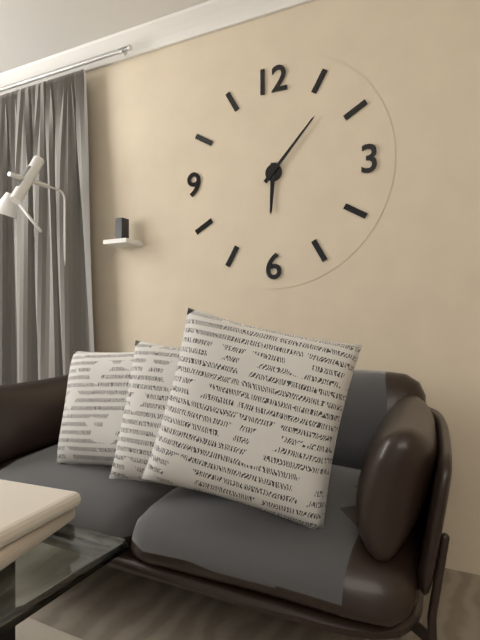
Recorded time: 6.07
